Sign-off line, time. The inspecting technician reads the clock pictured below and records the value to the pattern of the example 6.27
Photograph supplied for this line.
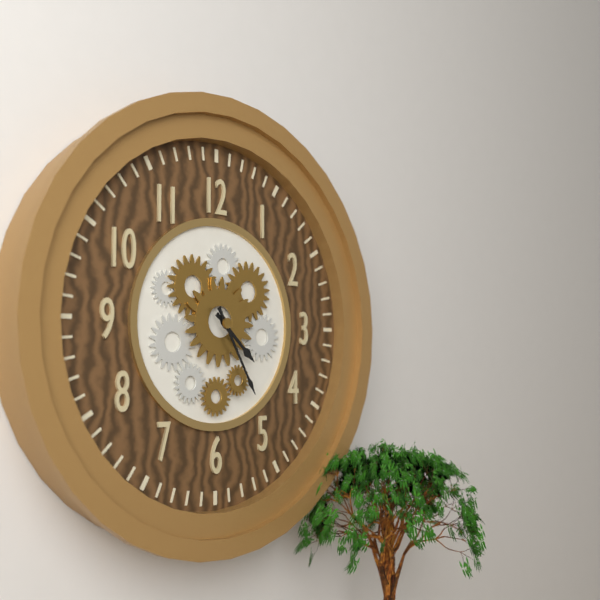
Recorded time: 4.25
